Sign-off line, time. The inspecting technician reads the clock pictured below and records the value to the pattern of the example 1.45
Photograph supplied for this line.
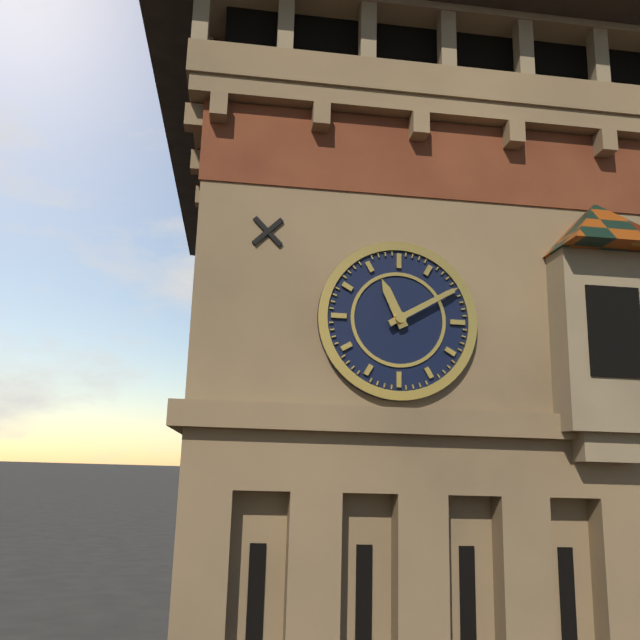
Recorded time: 11.10
